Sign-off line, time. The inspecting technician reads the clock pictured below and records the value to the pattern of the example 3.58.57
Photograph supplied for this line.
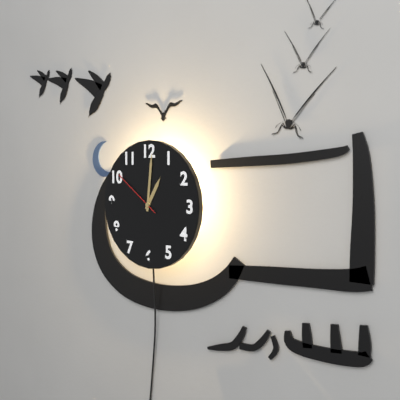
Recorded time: 1.01.51
